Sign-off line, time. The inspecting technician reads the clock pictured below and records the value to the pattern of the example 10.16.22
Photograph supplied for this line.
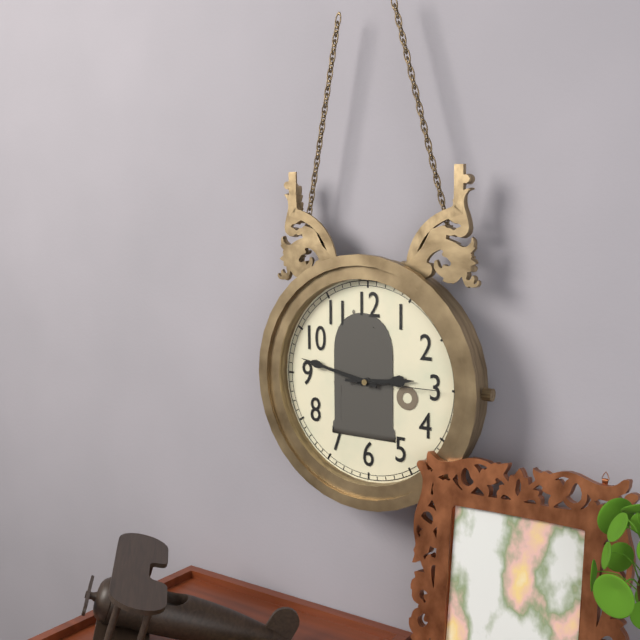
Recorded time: 2.47.15
